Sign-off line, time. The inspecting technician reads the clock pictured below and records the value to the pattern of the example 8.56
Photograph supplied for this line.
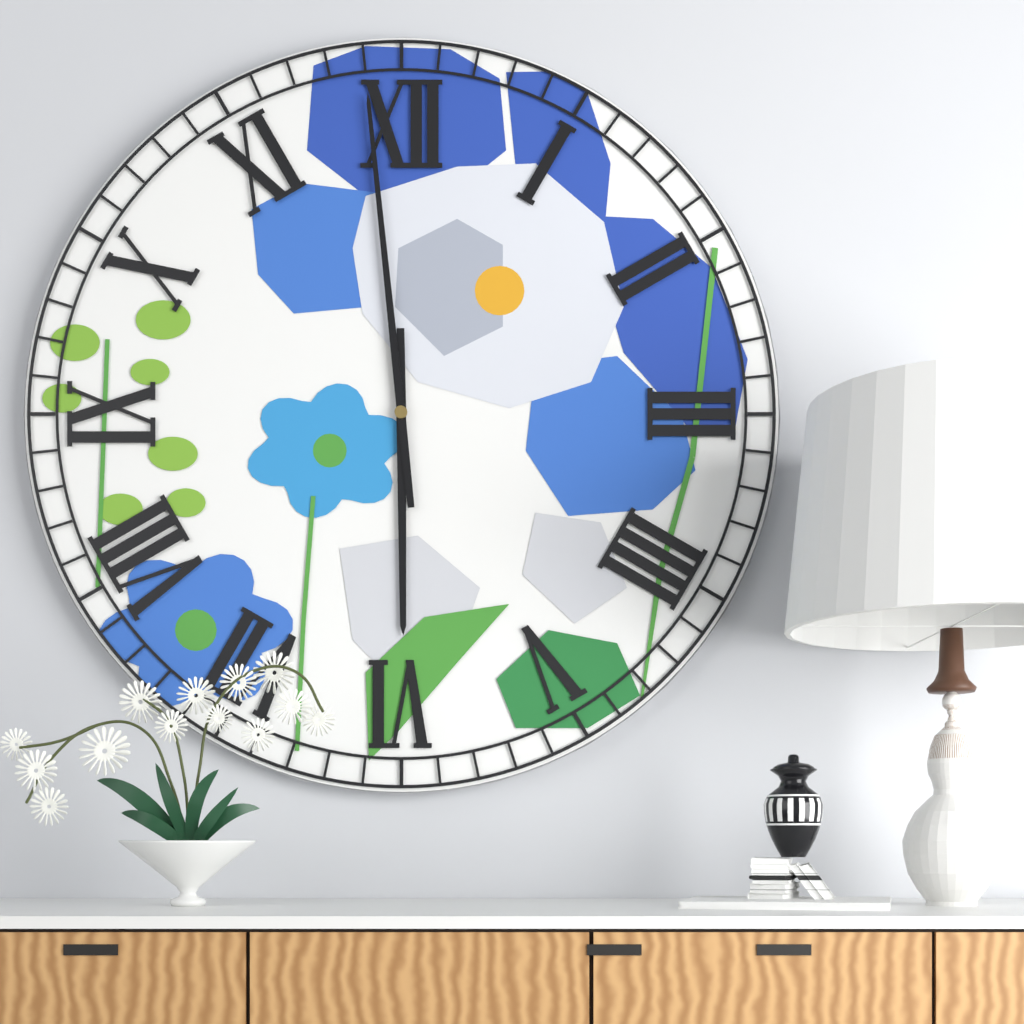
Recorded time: 5.59
